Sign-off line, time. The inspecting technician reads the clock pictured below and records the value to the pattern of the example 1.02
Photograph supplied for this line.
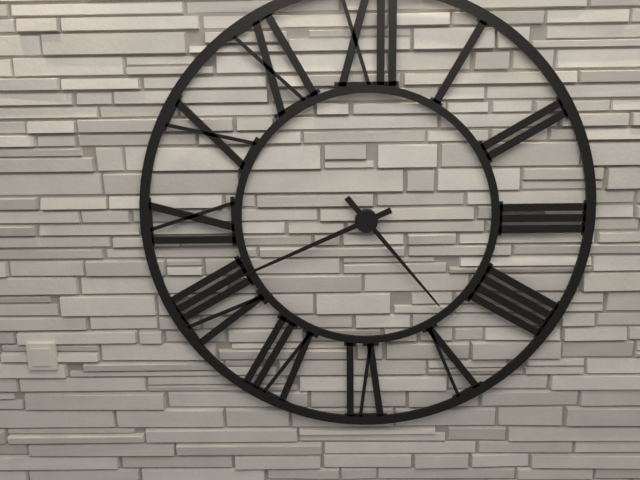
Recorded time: 4.41
